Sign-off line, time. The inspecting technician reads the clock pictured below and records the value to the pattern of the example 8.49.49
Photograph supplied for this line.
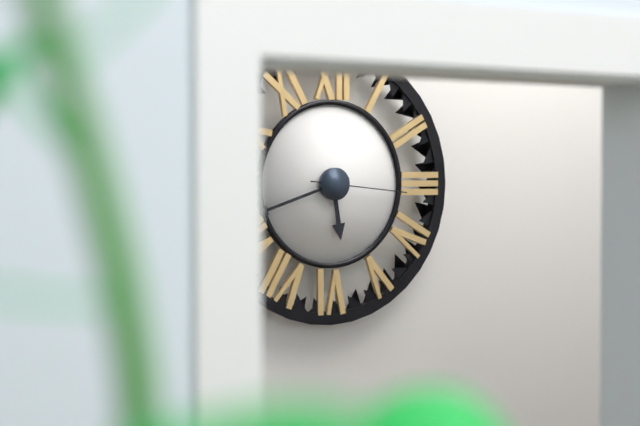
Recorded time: 5.42.16
